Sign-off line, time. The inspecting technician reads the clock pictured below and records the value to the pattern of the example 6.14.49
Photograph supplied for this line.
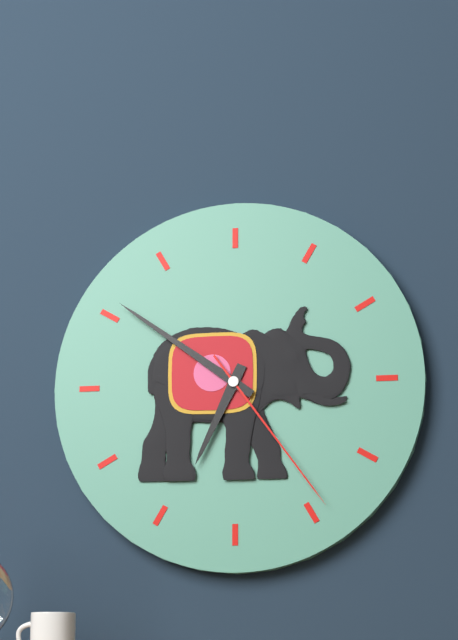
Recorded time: 6.51.24
